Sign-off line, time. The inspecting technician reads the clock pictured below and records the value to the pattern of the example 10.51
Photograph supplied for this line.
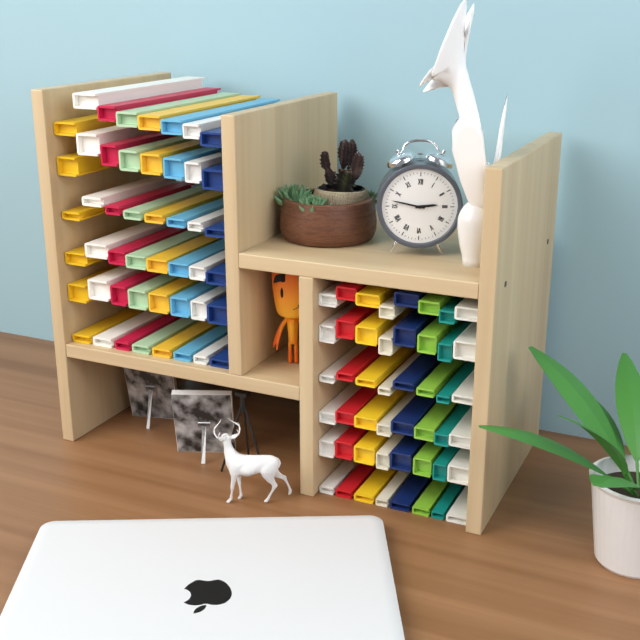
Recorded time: 2.47
